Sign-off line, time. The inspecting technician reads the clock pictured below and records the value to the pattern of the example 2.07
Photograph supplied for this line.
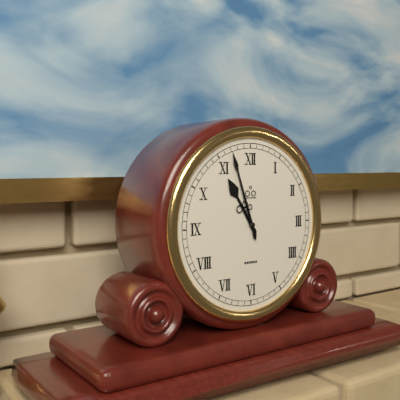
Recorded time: 10.57
